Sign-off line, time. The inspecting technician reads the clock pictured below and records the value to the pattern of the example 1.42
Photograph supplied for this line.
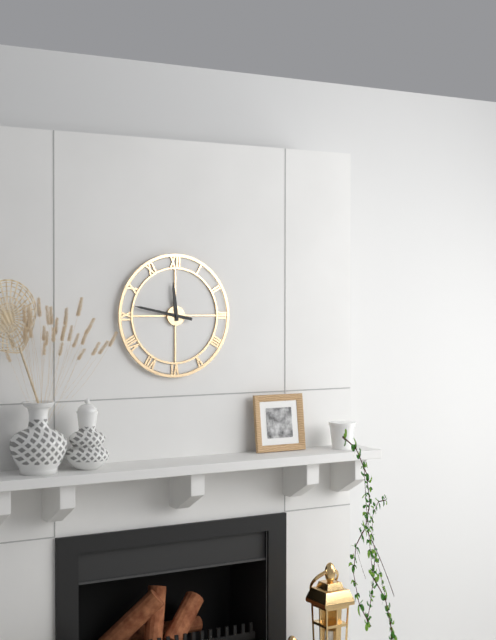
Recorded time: 11.47
